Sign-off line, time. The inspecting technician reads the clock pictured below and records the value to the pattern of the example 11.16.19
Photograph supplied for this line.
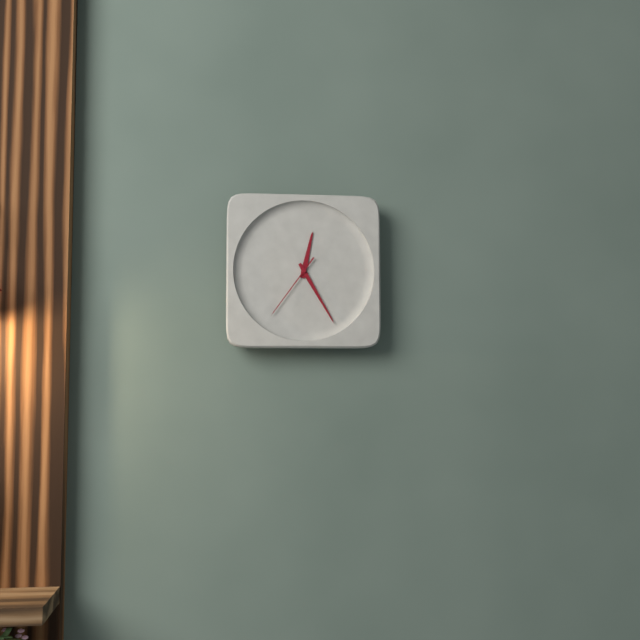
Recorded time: 12.25.36
